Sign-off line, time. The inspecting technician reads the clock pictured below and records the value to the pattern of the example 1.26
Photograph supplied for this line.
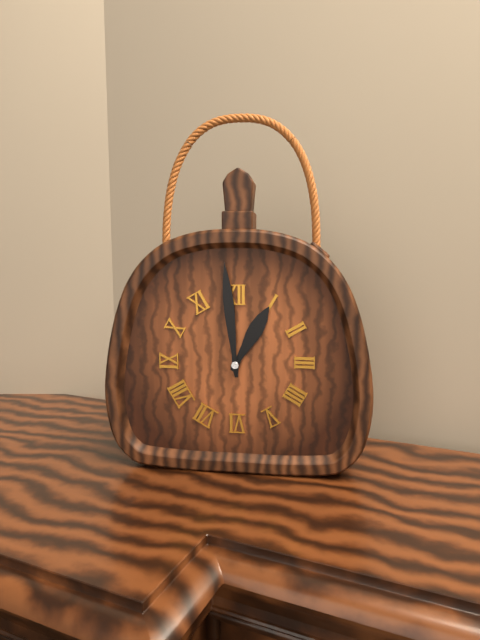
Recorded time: 12.59
